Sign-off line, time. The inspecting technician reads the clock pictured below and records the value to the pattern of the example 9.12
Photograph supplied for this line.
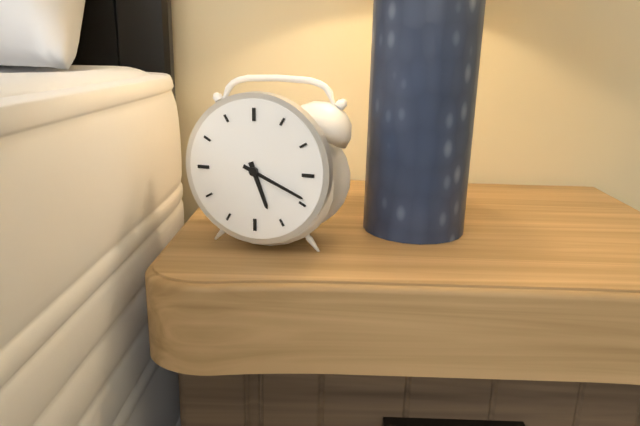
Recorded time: 5.19
